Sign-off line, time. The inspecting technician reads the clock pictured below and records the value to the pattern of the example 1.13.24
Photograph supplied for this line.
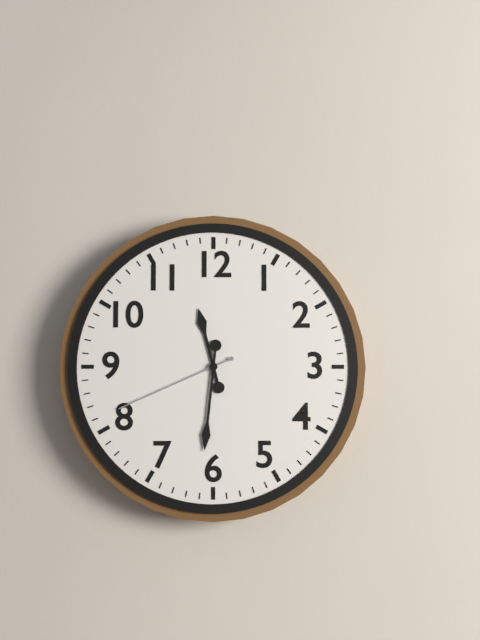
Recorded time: 11.31.41
